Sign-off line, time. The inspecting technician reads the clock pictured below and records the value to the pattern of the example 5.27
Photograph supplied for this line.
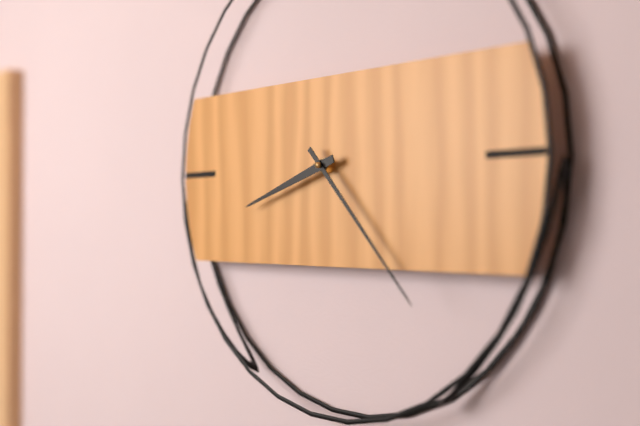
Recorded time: 8.23
